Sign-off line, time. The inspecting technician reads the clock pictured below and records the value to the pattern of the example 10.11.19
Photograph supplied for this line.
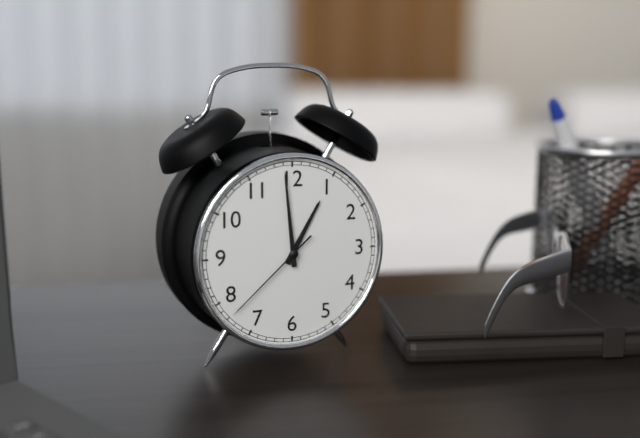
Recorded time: 12.59.38
